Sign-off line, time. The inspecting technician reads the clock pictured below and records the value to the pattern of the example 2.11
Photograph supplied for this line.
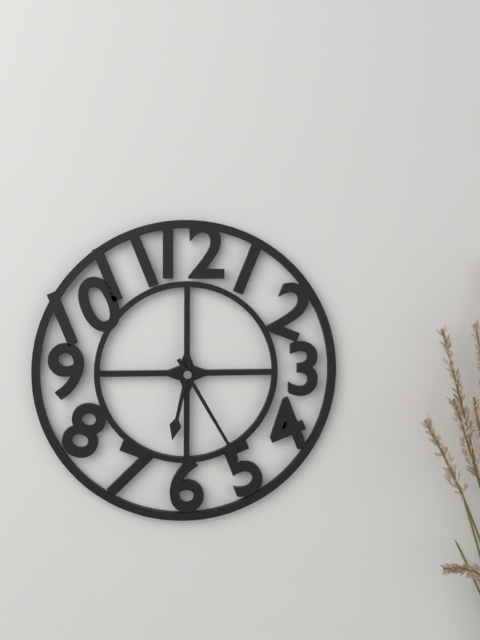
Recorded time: 6.25
